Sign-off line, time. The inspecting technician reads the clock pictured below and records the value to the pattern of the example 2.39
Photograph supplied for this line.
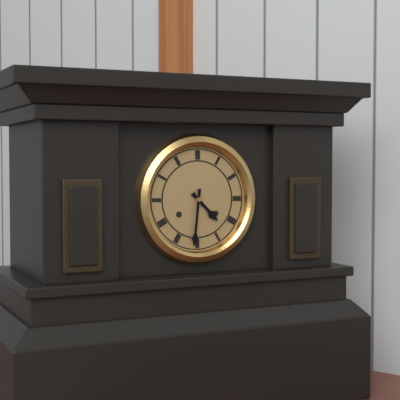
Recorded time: 4.31
